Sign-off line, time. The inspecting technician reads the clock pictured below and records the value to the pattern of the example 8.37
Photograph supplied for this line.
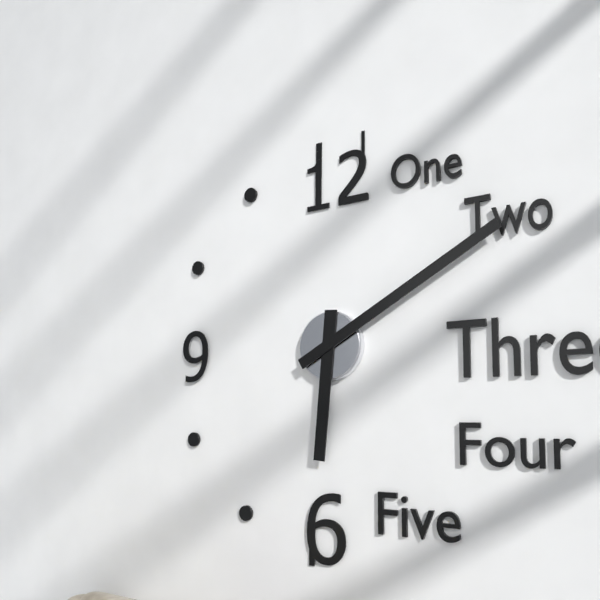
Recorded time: 6.10
